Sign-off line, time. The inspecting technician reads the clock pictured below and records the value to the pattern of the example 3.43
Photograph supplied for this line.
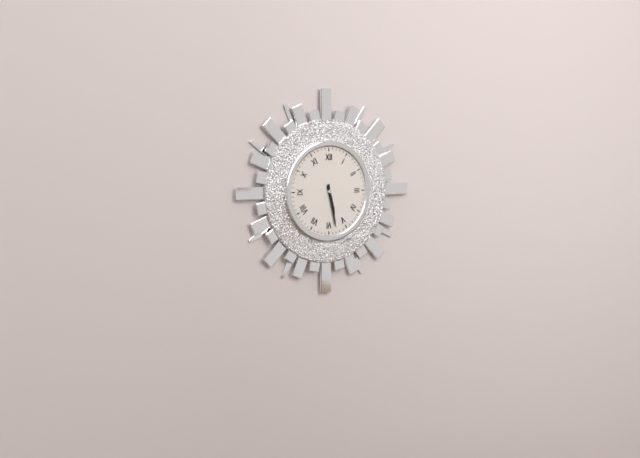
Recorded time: 5.28
